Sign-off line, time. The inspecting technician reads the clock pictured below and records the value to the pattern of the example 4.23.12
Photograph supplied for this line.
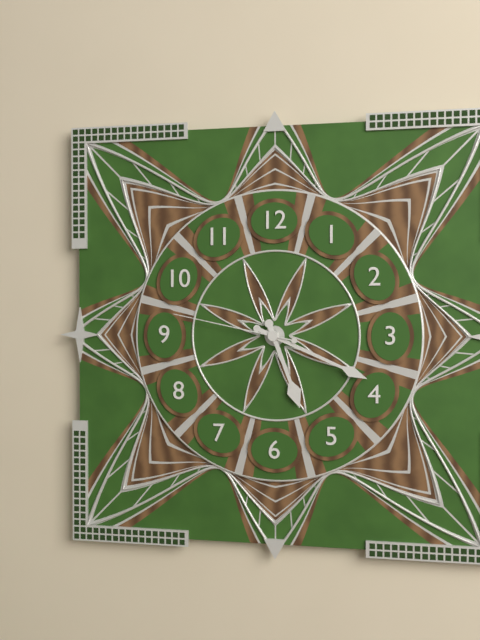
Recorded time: 5.19.47
